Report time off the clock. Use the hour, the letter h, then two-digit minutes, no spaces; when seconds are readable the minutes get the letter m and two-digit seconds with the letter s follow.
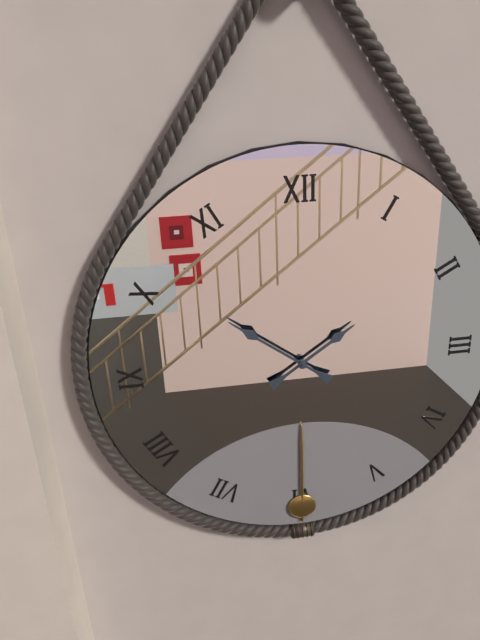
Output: 1h51
